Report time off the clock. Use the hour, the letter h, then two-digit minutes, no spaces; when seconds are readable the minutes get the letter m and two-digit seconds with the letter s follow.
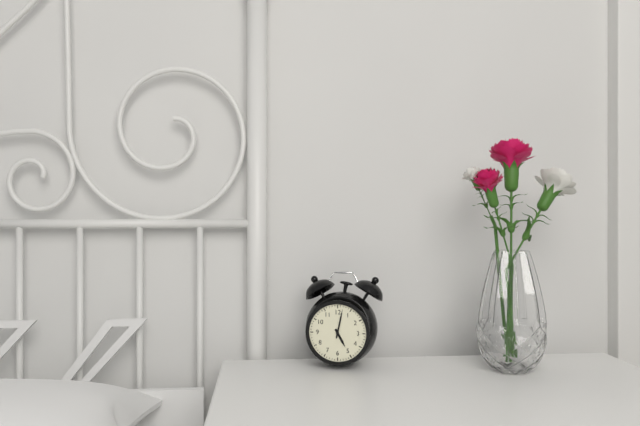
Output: 5h02
